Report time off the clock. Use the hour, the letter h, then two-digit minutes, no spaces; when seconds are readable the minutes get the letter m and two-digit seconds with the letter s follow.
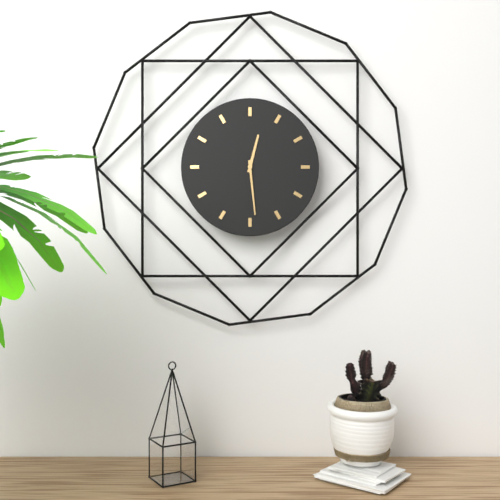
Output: 12h29
